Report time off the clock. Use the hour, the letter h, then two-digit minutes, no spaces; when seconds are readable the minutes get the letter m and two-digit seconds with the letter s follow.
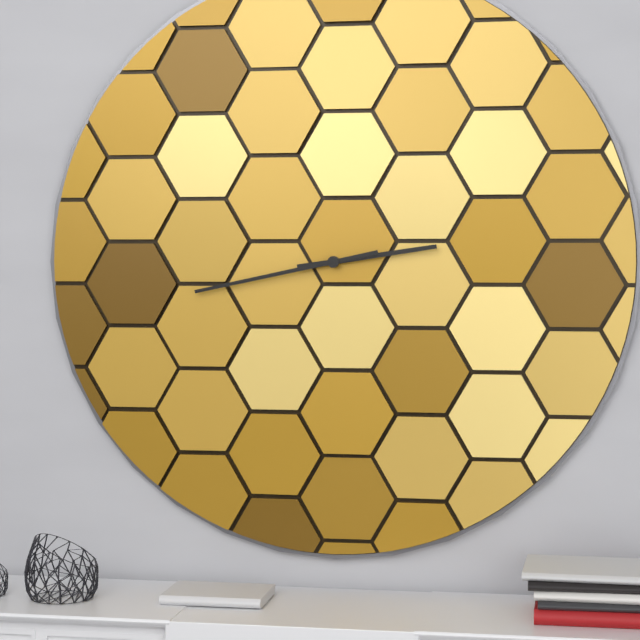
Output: 2h43
